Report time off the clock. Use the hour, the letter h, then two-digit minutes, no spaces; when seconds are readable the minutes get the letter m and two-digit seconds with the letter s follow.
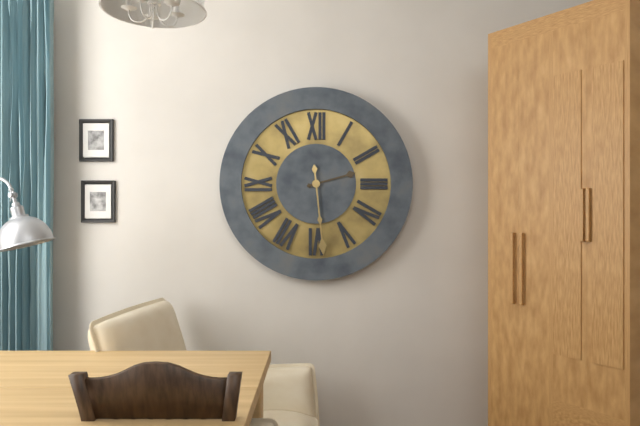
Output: 2h29
